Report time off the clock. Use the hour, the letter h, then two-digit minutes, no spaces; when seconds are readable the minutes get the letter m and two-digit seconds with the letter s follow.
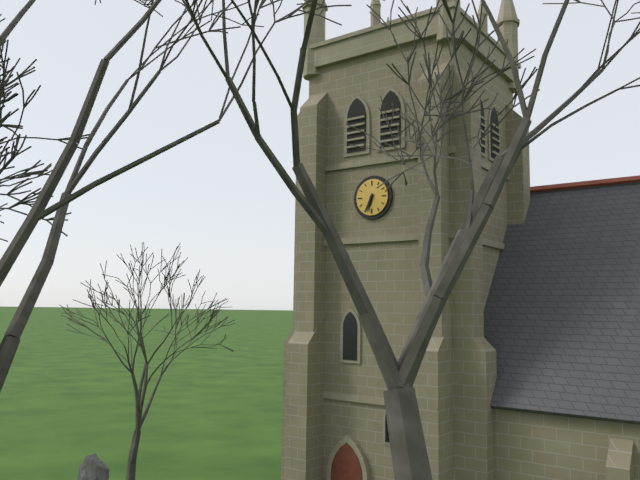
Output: 6h34
